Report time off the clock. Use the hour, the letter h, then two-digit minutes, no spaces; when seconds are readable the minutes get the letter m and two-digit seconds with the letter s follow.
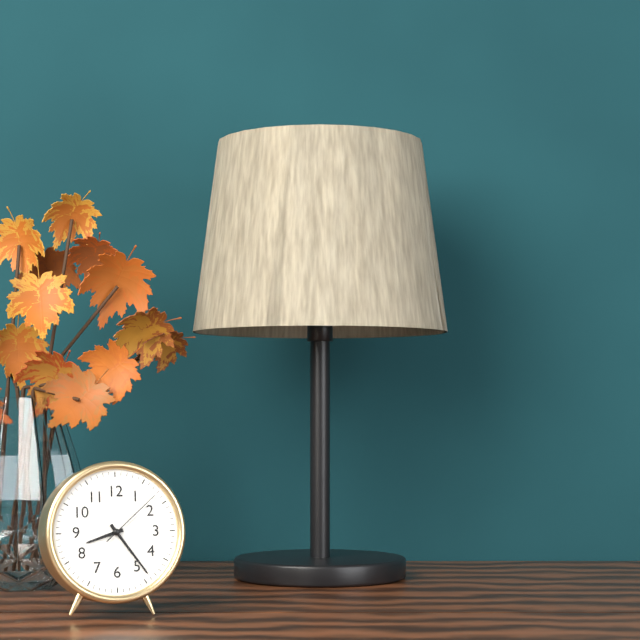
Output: 8h24m08s
